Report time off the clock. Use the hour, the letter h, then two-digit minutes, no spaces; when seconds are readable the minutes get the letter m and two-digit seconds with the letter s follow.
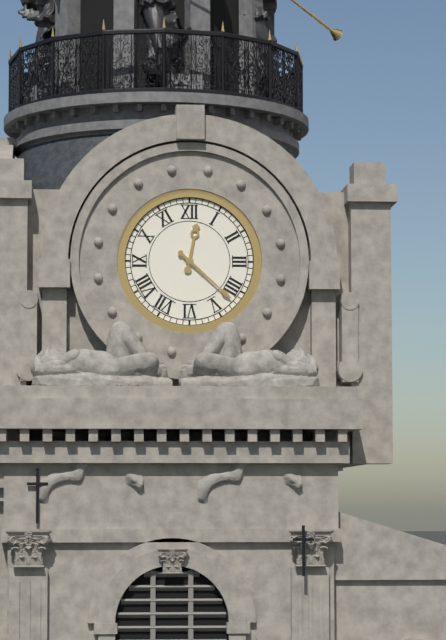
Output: 12h22
